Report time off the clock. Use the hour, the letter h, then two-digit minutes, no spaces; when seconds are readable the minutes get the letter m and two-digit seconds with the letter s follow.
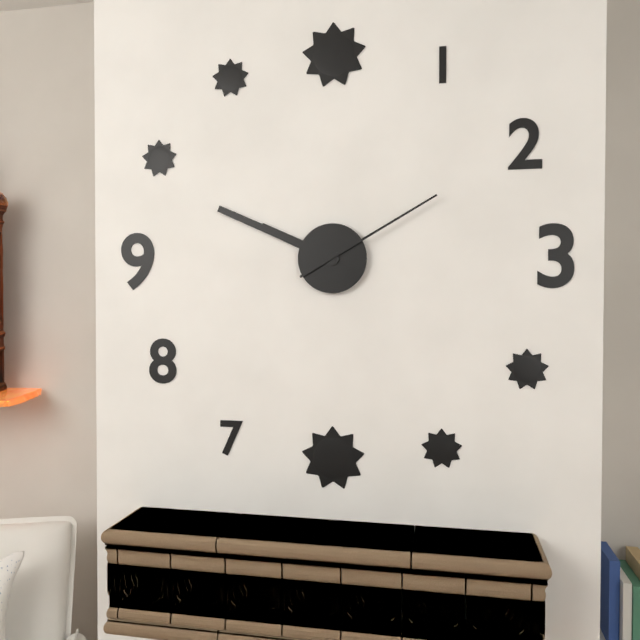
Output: 9h49m10s
